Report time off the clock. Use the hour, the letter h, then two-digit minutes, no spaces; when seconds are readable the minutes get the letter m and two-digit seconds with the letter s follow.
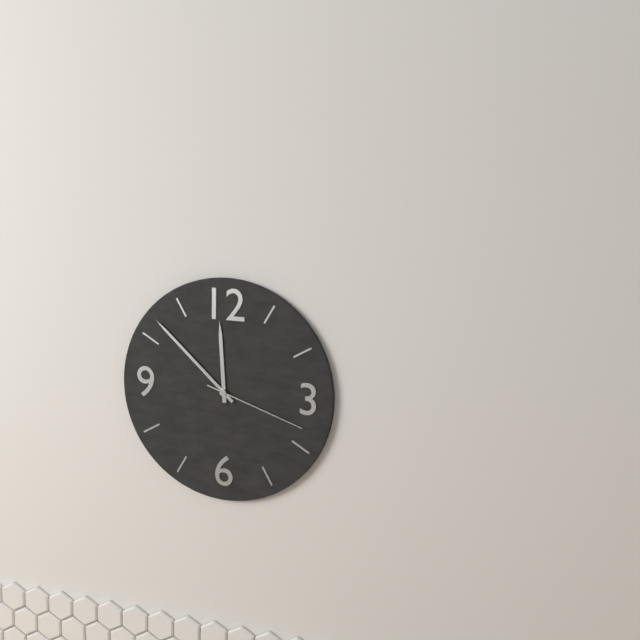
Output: 11h52m18s
